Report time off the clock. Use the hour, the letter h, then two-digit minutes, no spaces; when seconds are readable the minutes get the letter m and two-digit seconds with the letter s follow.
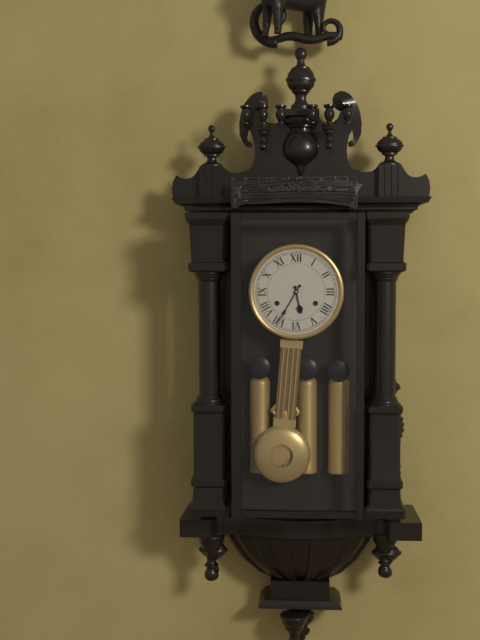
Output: 5h35
